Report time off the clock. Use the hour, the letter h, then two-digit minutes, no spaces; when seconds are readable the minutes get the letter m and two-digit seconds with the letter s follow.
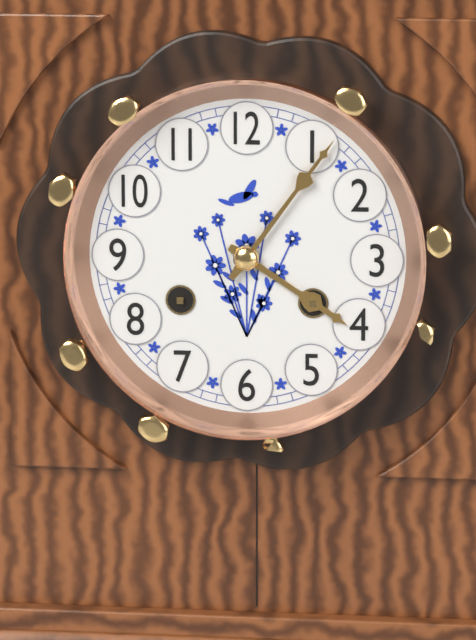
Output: 4h06
